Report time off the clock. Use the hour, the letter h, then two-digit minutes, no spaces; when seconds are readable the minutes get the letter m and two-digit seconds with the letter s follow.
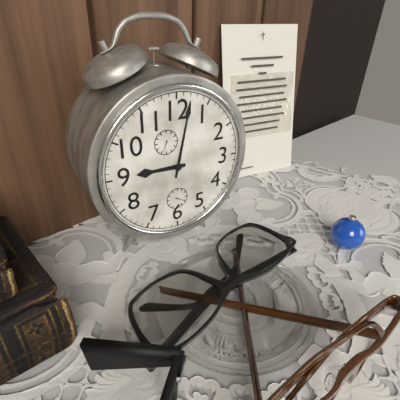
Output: 9h02
